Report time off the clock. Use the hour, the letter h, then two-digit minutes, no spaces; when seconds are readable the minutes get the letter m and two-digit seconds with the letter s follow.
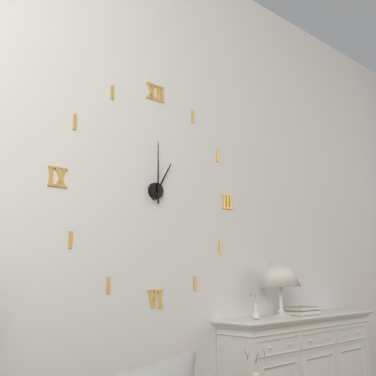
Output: 1h00
